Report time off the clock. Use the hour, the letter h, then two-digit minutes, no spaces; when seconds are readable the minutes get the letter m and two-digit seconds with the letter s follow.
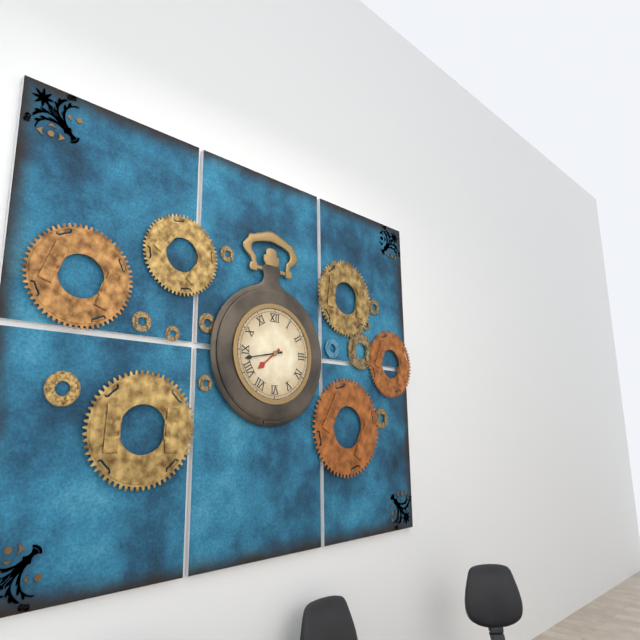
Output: 7h43
